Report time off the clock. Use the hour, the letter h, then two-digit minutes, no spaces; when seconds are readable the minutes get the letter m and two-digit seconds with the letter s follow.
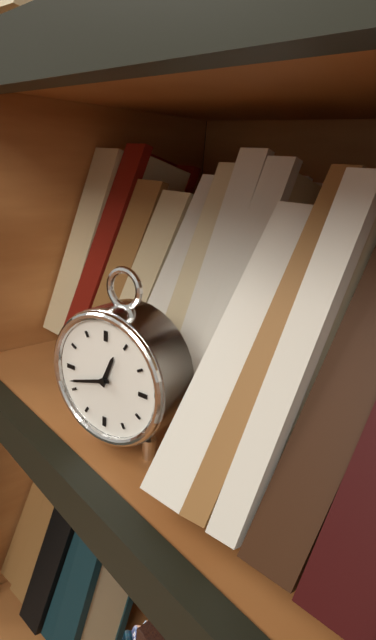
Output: 12h42
